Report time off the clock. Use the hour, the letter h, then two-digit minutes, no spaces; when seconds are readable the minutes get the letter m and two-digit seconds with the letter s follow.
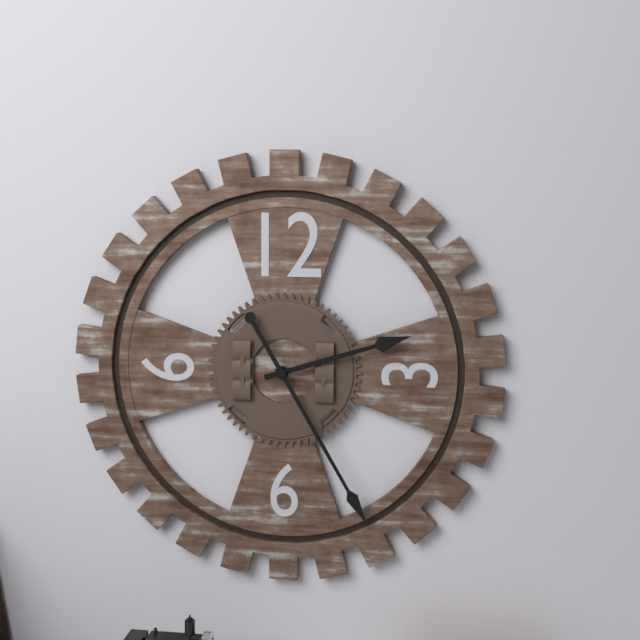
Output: 2h25
